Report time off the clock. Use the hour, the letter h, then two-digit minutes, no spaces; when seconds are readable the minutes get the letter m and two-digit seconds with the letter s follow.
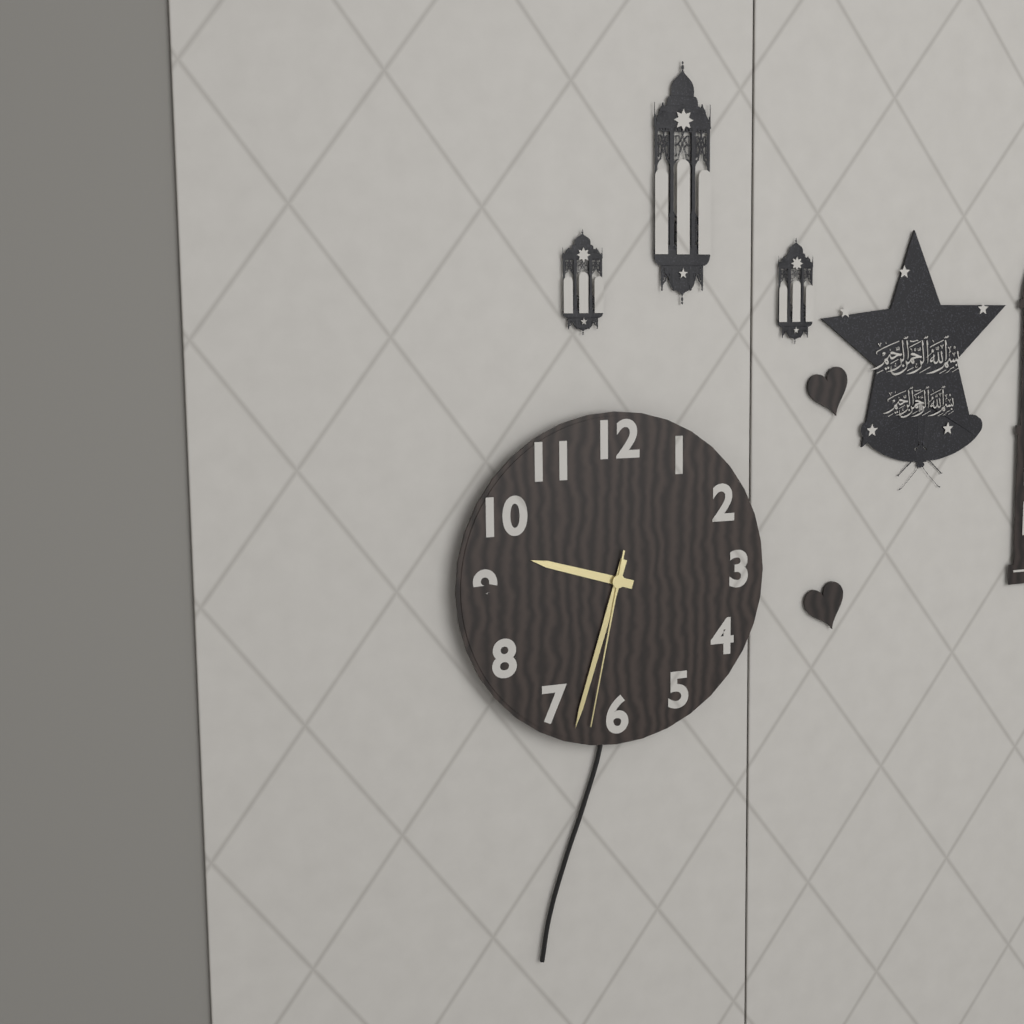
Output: 9h33m32s
